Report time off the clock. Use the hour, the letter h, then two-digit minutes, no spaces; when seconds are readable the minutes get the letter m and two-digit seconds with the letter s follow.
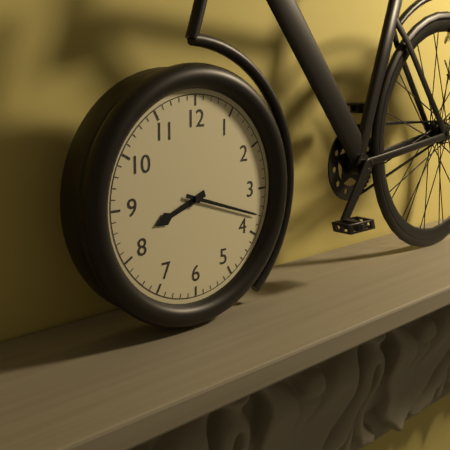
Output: 8h18
